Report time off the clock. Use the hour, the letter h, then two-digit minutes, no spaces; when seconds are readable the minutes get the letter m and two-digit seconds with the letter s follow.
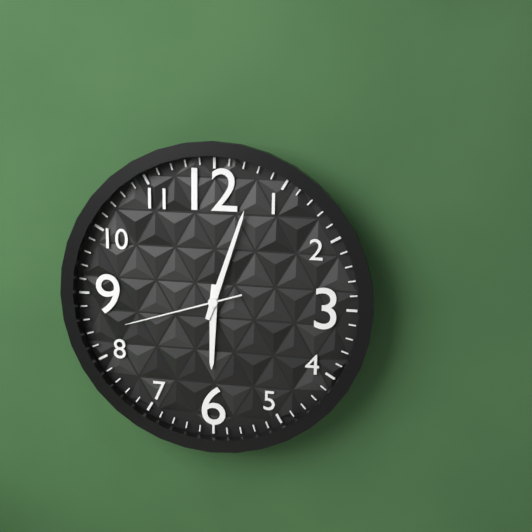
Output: 6h03m42s
